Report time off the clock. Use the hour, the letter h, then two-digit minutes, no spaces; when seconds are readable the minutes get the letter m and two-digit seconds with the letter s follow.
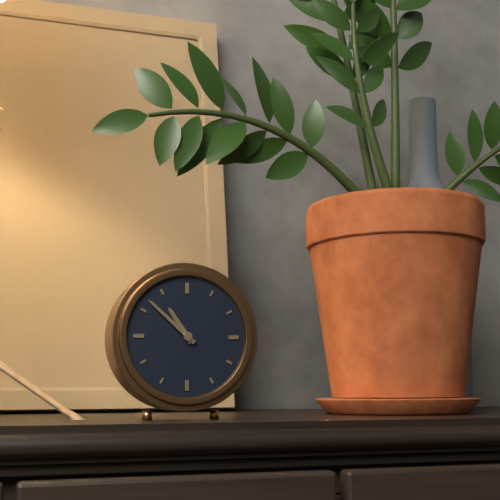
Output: 10h52
